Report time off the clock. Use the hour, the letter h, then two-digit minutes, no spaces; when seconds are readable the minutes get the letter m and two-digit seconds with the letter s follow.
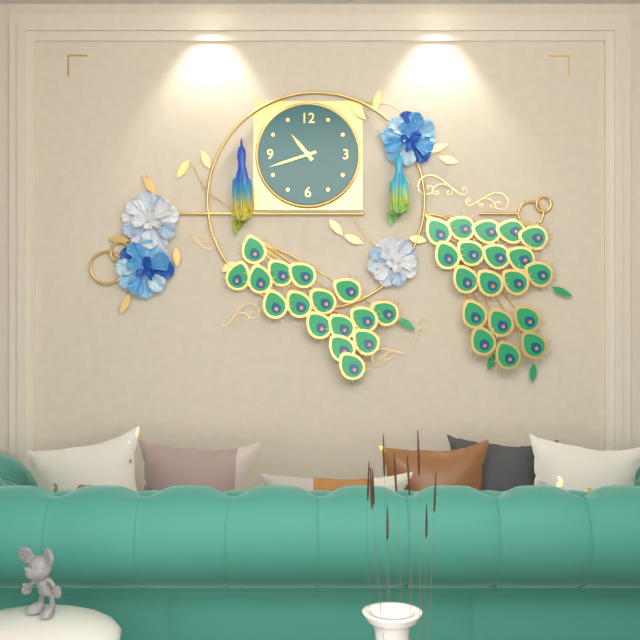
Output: 10h42
